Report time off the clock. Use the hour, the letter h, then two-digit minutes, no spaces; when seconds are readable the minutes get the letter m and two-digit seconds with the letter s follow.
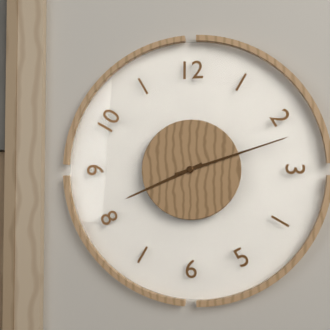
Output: 8h12
